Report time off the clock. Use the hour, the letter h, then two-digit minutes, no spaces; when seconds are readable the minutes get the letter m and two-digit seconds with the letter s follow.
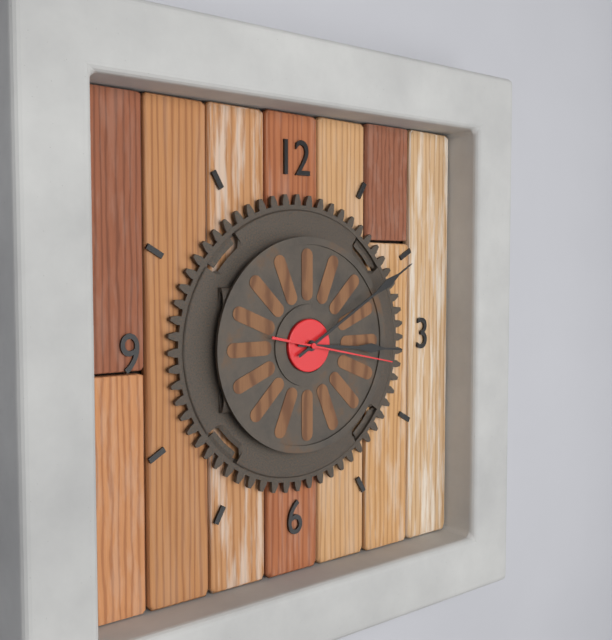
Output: 3h10m17s
